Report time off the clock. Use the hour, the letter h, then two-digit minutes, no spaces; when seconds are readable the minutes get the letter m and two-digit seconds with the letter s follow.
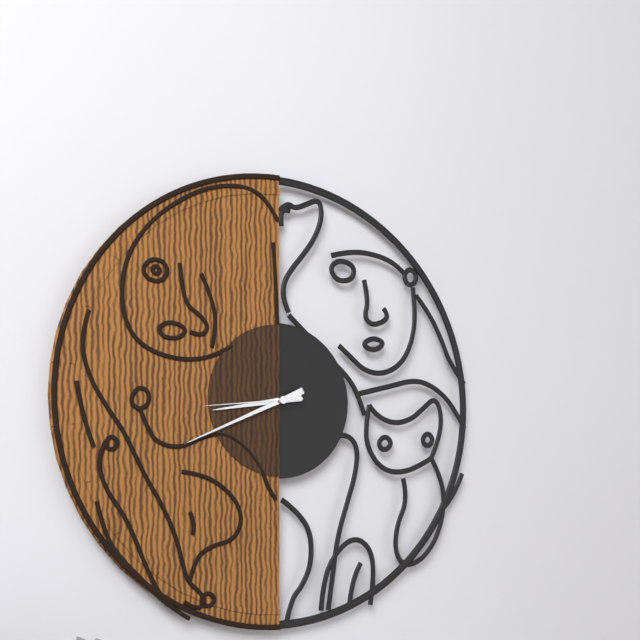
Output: 8h41m44s
